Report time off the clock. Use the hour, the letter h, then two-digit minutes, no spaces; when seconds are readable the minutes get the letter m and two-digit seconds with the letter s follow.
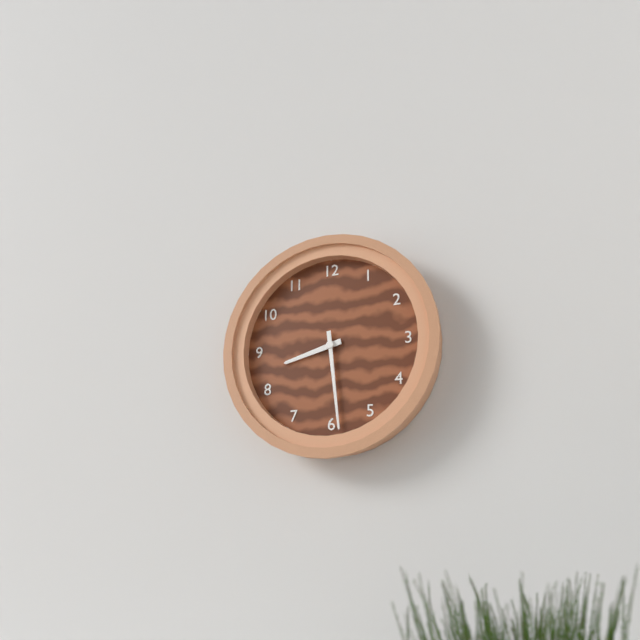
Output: 8h29
